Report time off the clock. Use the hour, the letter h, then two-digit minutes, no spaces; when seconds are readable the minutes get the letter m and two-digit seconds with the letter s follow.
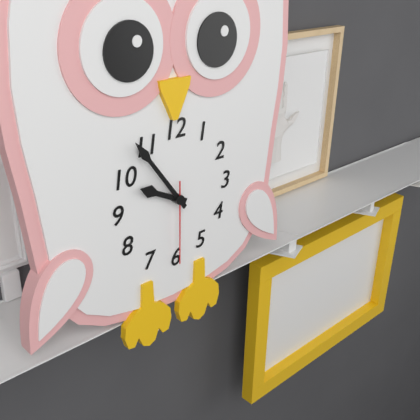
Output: 9h54m30s
